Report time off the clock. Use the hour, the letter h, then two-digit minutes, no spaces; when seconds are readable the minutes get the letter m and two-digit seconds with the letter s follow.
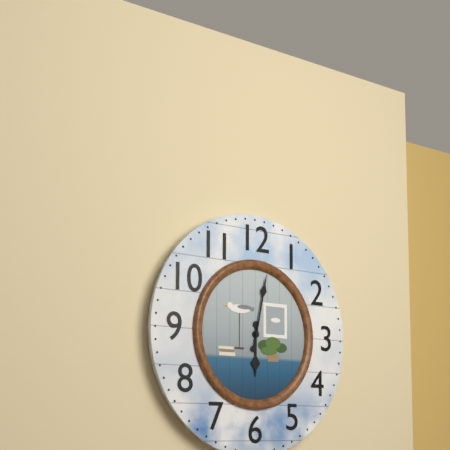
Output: 6h02
